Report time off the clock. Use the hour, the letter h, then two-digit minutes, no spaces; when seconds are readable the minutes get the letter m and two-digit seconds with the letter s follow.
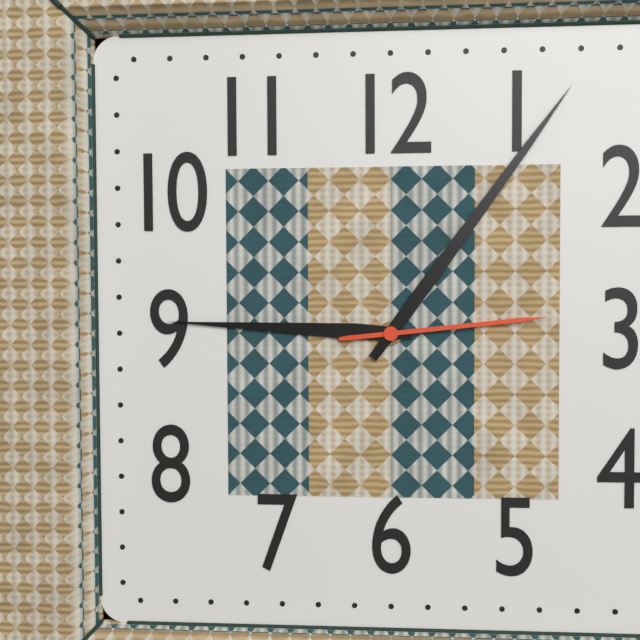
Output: 9h06m14s
